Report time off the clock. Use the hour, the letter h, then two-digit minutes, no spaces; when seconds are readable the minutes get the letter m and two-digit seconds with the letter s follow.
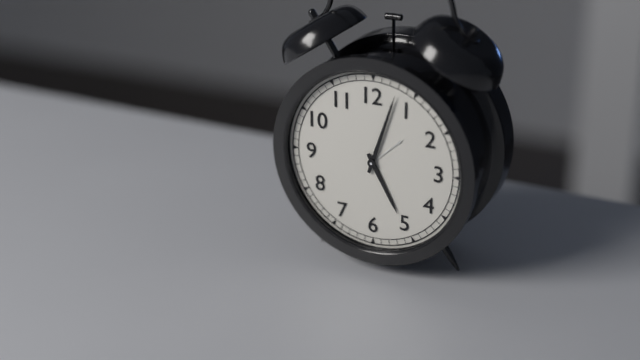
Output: 5h03
